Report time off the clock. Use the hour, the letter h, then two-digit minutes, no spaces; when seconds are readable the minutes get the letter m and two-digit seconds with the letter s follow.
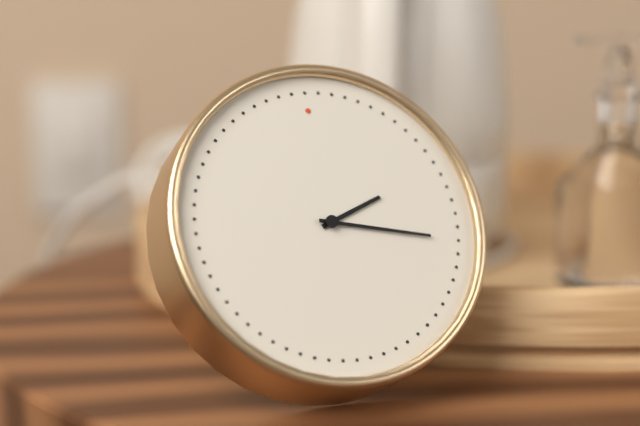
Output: 2h17
